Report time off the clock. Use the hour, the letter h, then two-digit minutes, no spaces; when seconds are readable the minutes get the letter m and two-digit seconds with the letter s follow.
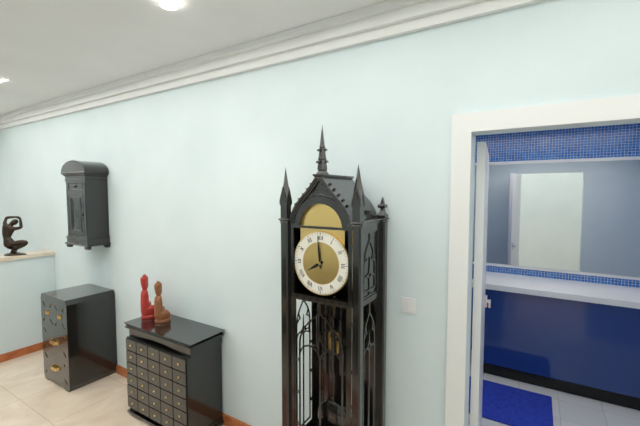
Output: 7h59
